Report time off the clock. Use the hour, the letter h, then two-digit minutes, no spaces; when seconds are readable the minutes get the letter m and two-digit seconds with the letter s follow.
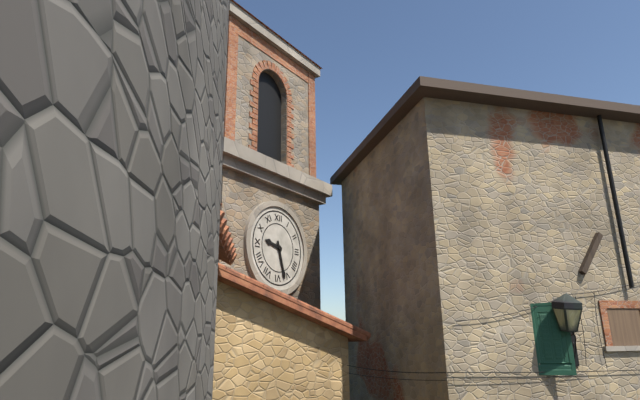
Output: 9h27
